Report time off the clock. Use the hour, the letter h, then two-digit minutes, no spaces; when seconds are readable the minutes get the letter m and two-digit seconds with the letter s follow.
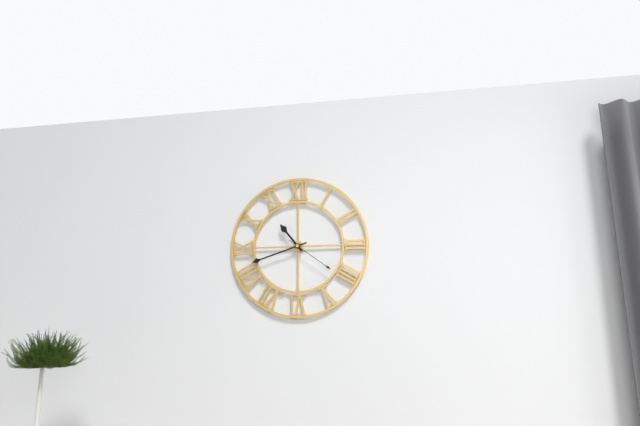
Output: 10h42m21s
